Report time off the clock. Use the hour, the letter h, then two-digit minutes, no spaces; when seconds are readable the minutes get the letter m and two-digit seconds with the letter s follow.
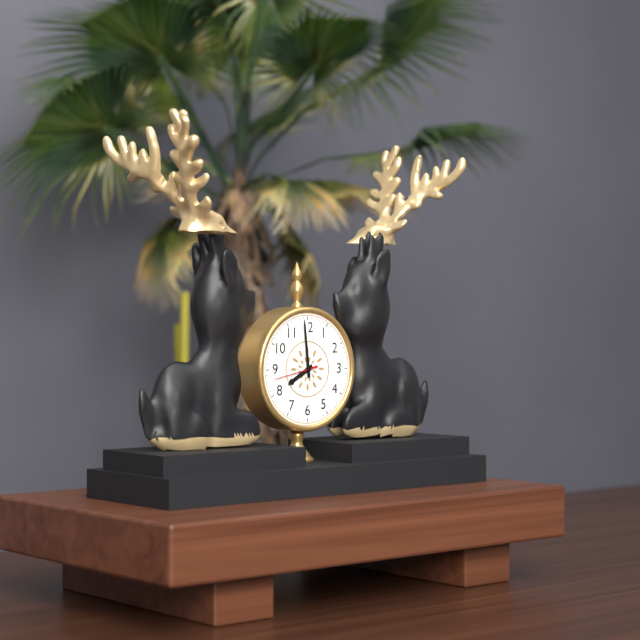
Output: 7h59
